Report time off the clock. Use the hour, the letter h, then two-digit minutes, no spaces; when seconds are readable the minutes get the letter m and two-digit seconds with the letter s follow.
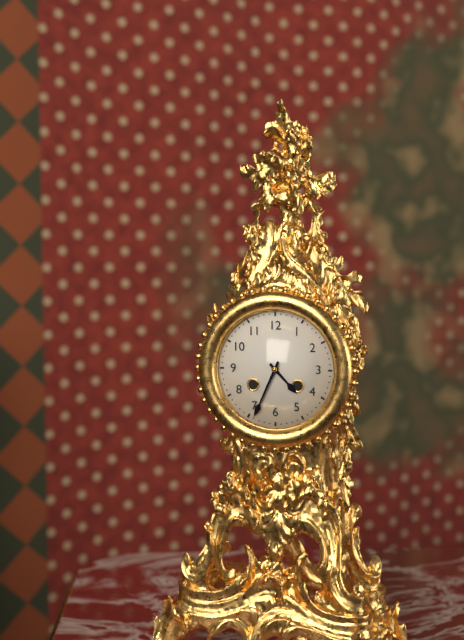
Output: 4h34
